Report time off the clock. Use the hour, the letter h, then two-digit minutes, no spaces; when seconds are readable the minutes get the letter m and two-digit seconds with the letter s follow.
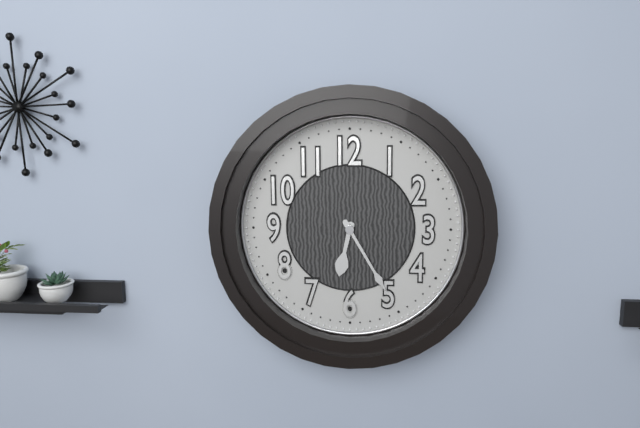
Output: 6h25
